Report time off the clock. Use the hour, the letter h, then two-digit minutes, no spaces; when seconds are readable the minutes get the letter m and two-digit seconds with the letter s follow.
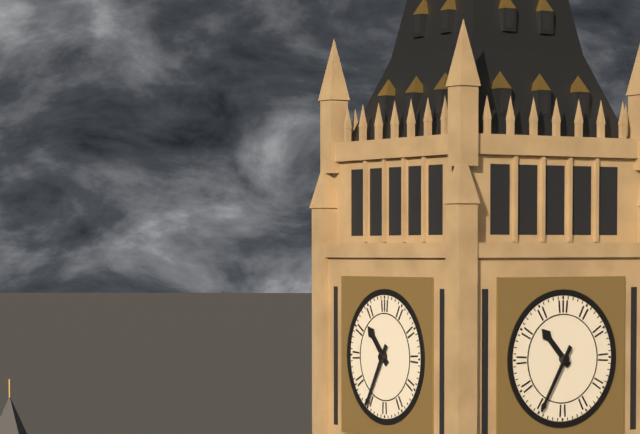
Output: 10h35
